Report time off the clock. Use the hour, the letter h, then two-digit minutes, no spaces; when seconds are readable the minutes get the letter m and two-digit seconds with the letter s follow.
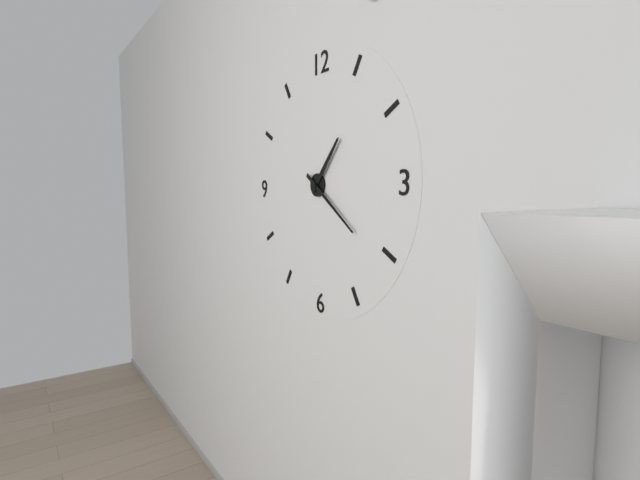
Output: 1h21
